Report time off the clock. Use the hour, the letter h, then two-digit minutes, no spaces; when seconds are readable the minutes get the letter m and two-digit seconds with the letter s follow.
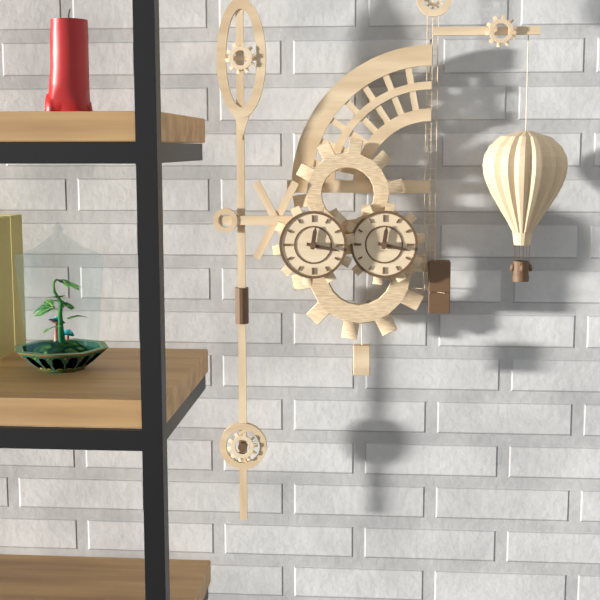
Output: 12h17
